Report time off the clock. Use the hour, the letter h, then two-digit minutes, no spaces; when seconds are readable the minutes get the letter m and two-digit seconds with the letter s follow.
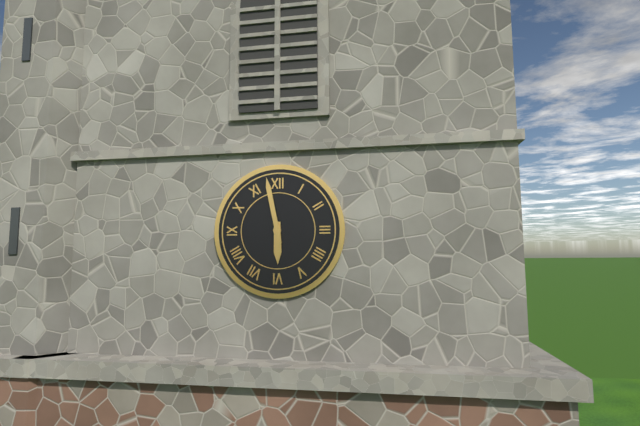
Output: 5h58
